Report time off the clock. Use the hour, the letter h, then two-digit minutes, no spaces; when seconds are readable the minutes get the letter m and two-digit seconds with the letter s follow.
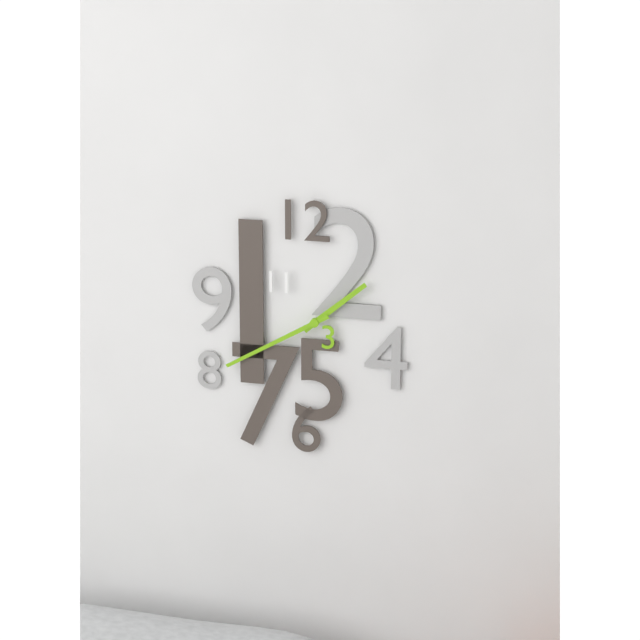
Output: 1h40
